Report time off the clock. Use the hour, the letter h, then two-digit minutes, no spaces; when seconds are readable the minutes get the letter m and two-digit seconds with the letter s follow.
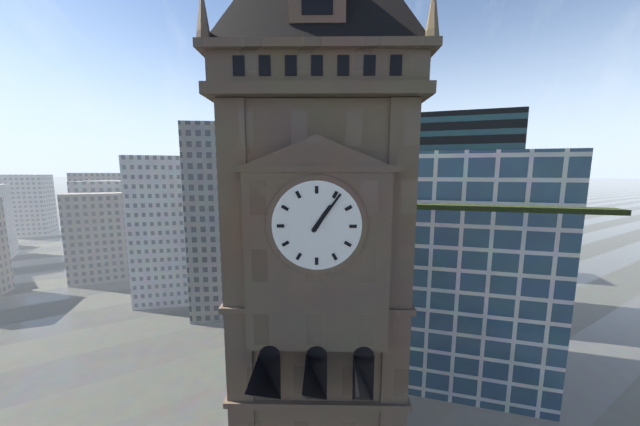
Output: 1h06
